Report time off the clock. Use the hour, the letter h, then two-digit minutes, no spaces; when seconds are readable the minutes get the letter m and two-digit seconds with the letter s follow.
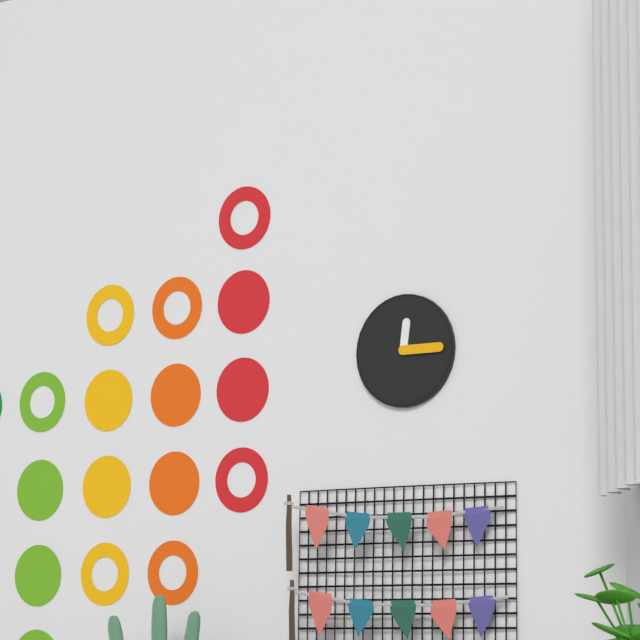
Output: 12h15
